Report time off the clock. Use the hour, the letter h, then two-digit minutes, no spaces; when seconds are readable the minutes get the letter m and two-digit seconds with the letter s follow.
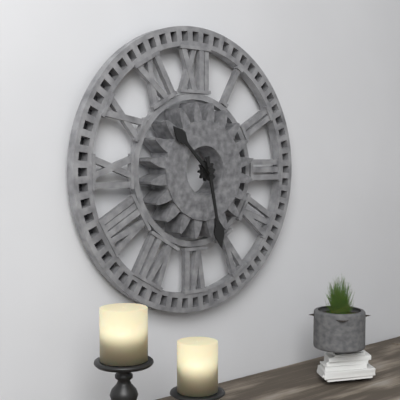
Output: 10h28
